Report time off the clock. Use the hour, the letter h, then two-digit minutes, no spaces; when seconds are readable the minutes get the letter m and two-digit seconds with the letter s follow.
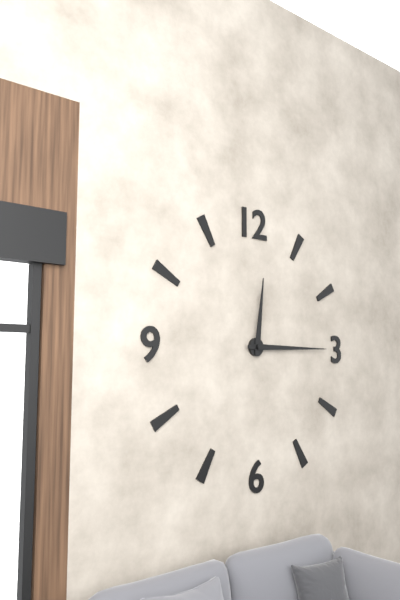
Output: 12h15
